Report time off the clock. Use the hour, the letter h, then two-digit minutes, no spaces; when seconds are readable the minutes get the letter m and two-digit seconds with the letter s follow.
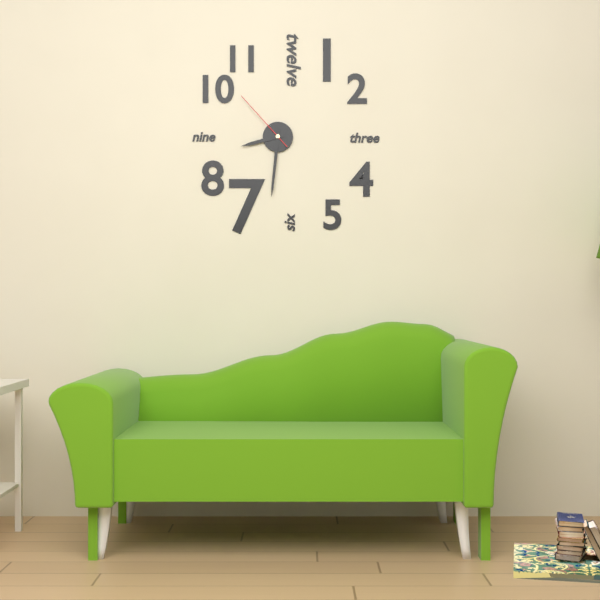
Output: 8h31m53s
